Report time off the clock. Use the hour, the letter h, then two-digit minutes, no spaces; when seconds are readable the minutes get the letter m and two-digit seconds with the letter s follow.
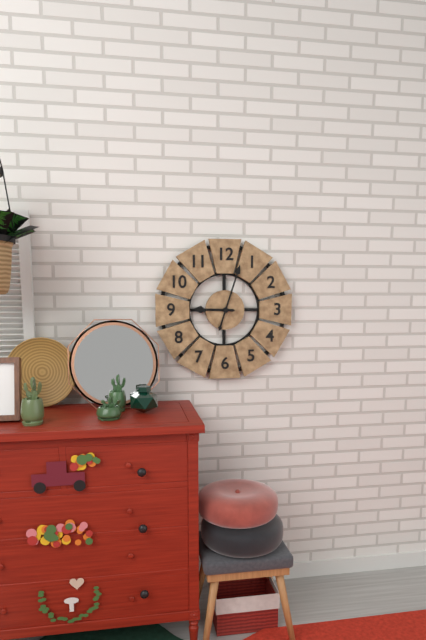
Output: 9h03
